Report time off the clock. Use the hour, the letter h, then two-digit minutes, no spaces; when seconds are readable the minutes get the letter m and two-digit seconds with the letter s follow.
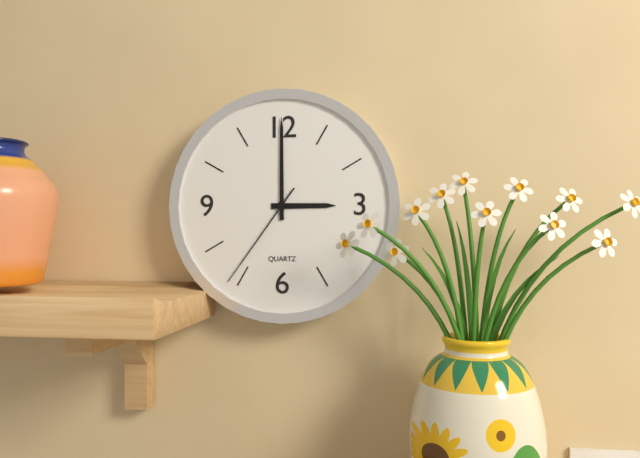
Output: 3h00m36s
